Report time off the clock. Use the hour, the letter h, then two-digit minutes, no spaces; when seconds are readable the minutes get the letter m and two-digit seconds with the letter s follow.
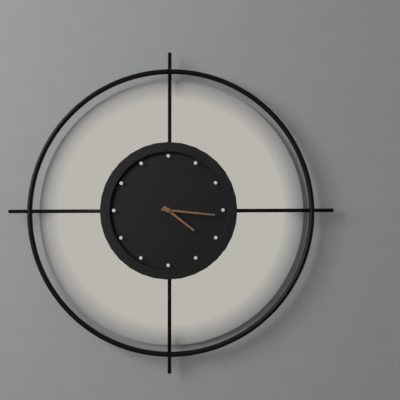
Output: 4h16
